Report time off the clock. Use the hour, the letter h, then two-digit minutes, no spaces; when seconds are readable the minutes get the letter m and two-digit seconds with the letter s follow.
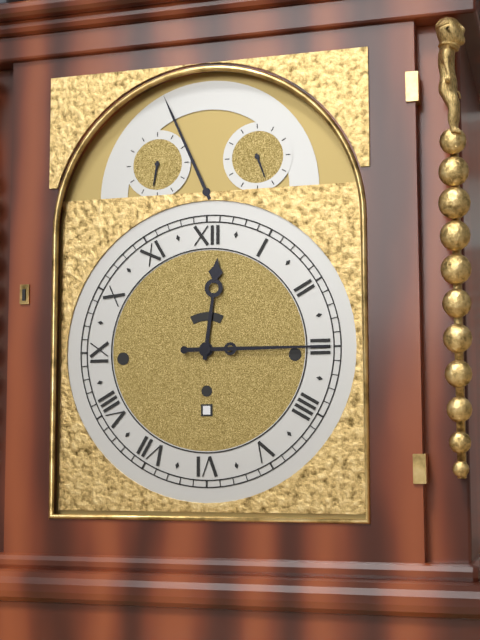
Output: 12h15
